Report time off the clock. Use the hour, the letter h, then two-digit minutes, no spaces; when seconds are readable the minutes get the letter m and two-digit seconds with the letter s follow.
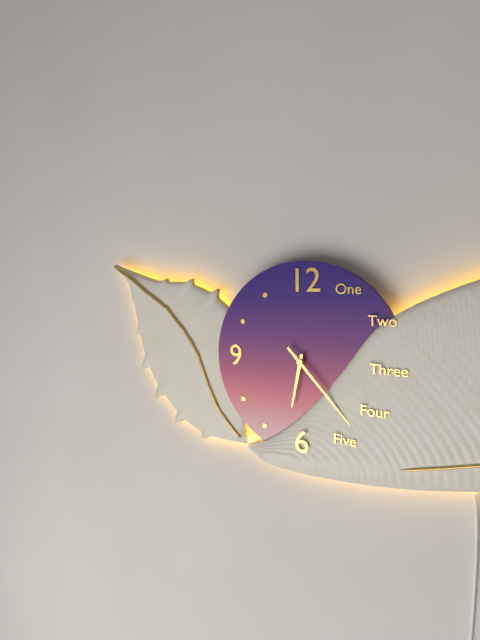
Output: 6h23
